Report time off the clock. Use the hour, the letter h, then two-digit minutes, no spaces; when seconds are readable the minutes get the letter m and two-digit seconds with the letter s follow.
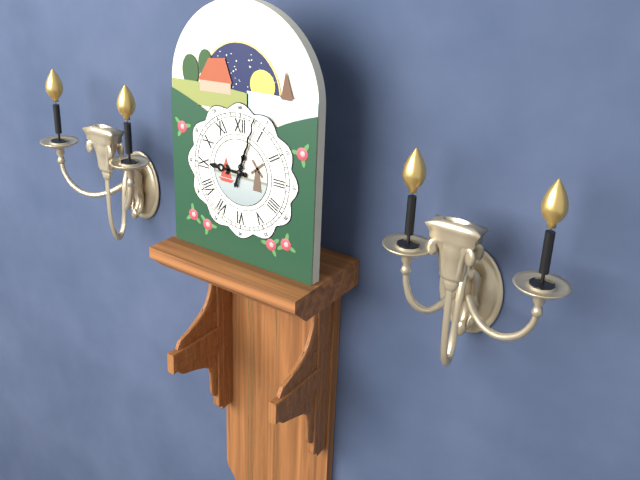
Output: 9h03
